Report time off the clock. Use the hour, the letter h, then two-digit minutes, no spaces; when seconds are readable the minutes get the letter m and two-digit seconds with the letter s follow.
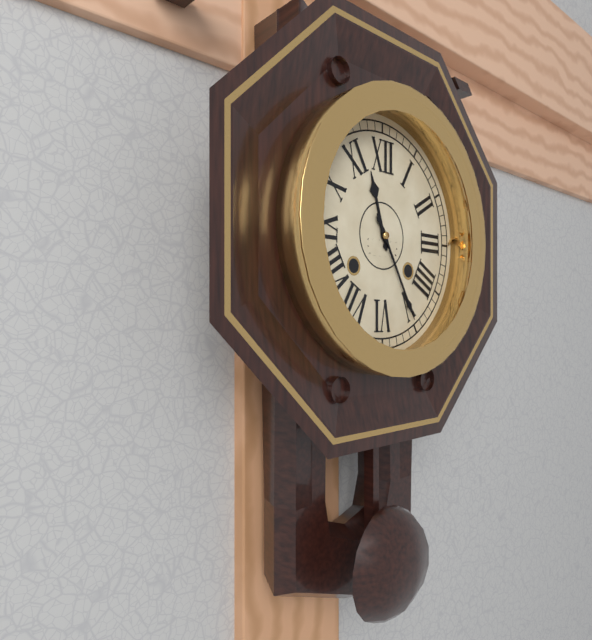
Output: 11h25
